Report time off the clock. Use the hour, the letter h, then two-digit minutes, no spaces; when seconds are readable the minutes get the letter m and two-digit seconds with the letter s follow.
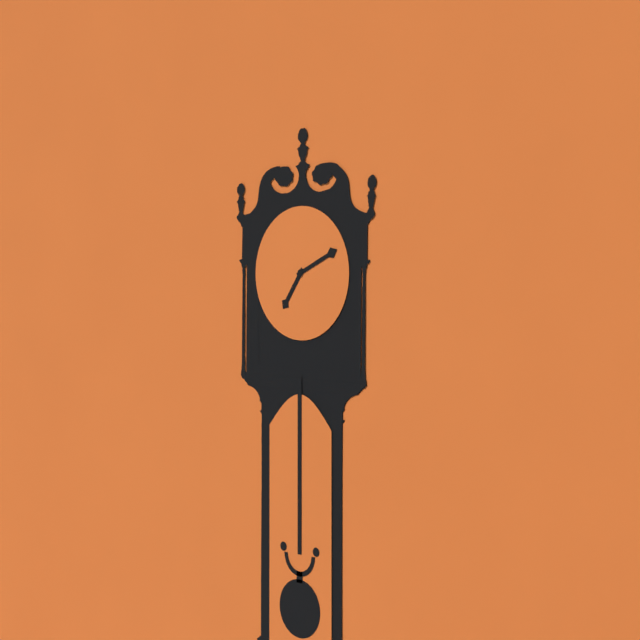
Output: 7h11
